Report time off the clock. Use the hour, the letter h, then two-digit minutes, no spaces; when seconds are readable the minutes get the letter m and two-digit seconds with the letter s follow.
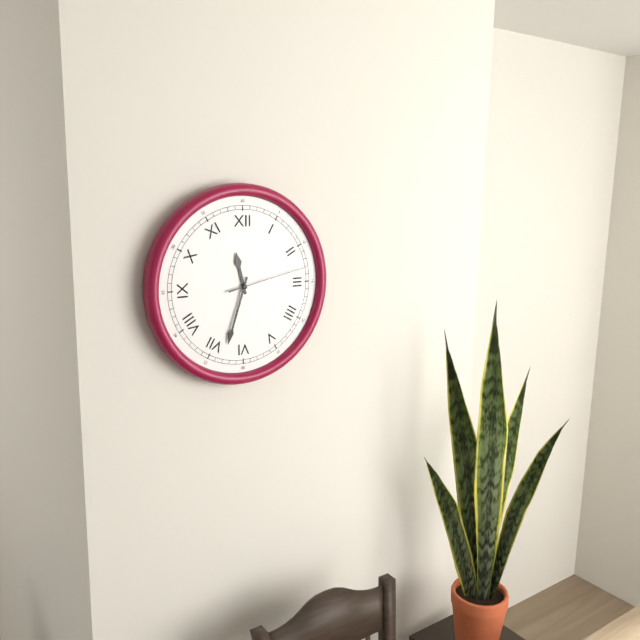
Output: 11h33m13s
